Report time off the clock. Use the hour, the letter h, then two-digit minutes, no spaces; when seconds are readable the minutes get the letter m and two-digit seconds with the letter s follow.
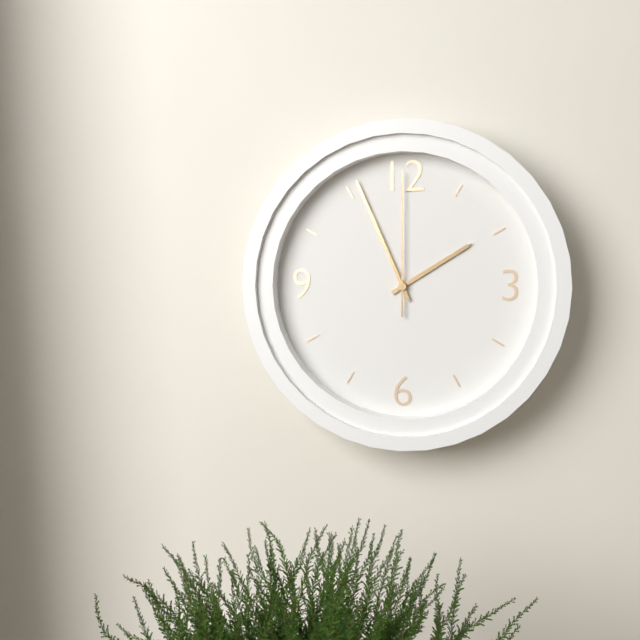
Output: 1h56m00s
